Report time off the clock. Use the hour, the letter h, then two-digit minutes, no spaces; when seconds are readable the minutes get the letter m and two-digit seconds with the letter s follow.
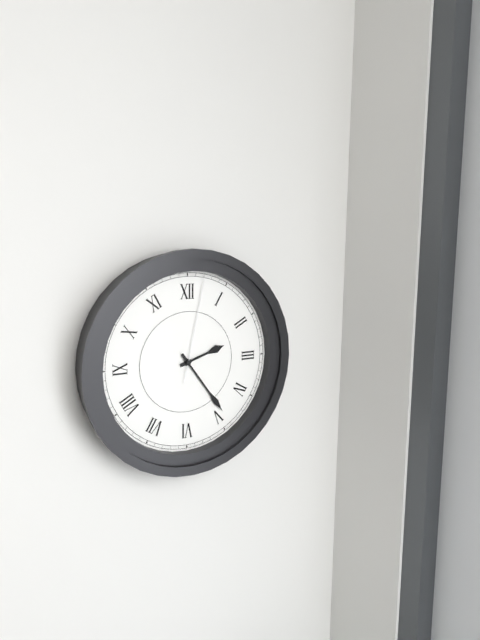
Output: 2h24m02s
